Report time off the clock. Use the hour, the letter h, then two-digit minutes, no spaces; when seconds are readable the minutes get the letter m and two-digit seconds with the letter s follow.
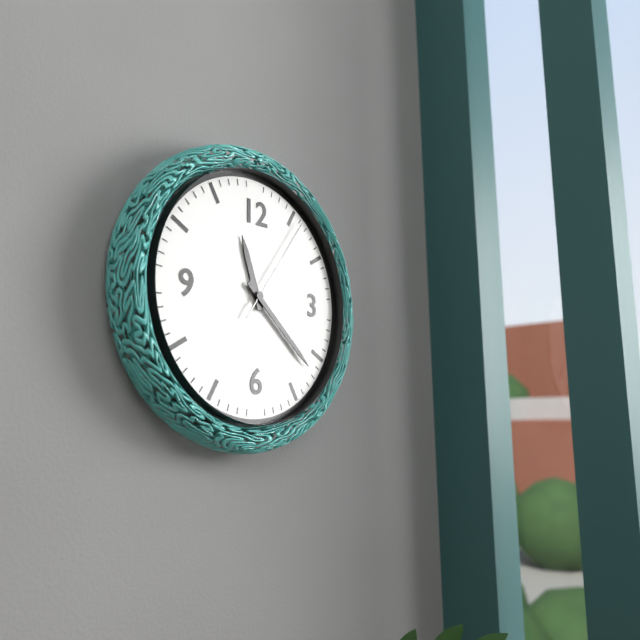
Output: 11h22m06s
